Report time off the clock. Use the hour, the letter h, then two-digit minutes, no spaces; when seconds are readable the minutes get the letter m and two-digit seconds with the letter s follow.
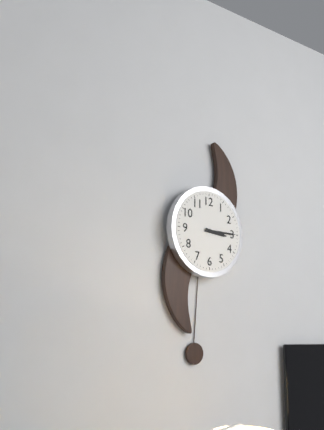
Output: 3h15
